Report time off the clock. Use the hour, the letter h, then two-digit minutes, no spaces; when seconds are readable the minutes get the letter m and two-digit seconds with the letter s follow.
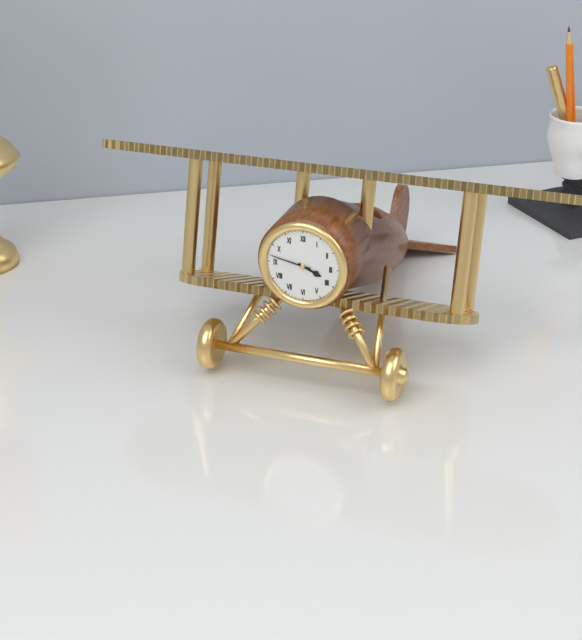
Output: 3h47
